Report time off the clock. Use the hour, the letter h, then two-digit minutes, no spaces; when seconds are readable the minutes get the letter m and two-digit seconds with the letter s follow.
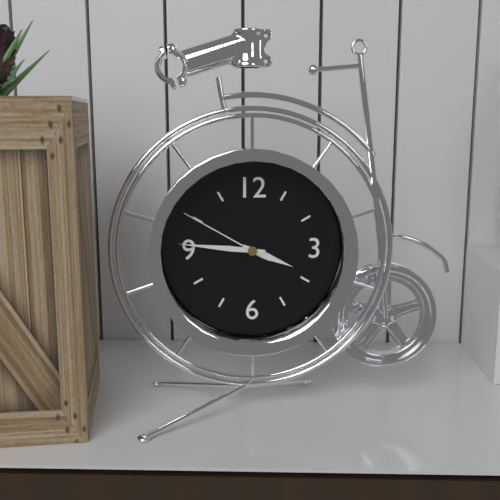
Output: 3h46m50s
